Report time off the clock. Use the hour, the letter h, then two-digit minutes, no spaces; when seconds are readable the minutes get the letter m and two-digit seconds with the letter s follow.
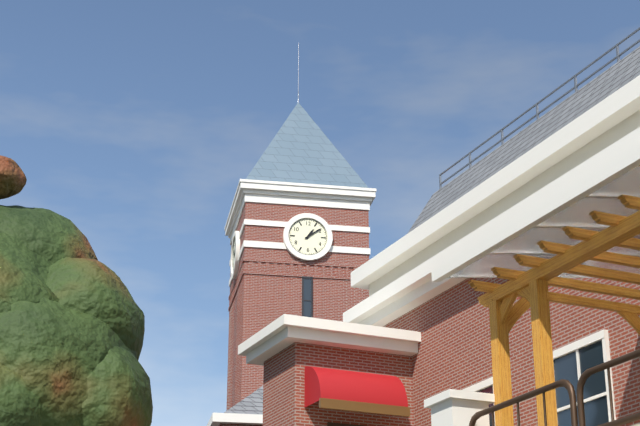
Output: 1h09
